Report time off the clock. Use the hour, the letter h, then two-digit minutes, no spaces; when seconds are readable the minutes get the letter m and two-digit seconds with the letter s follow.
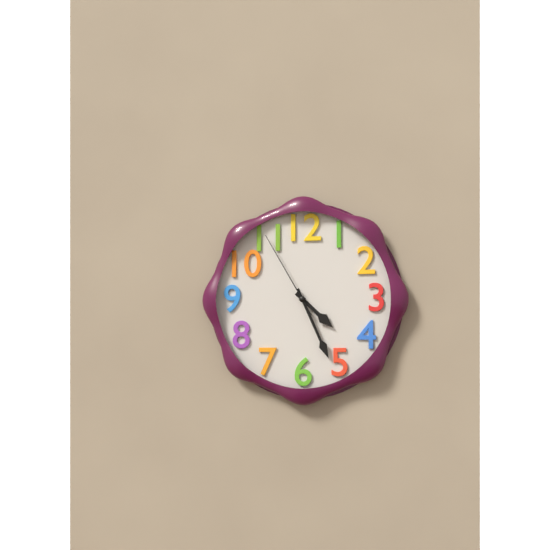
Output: 4h26m55s
